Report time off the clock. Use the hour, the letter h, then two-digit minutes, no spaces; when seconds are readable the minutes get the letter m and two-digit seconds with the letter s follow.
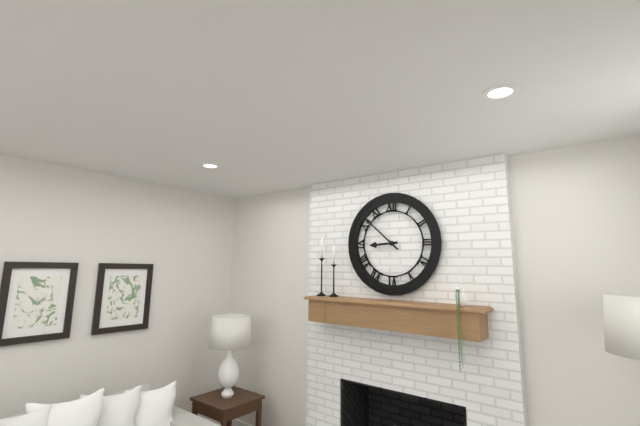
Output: 8h52
